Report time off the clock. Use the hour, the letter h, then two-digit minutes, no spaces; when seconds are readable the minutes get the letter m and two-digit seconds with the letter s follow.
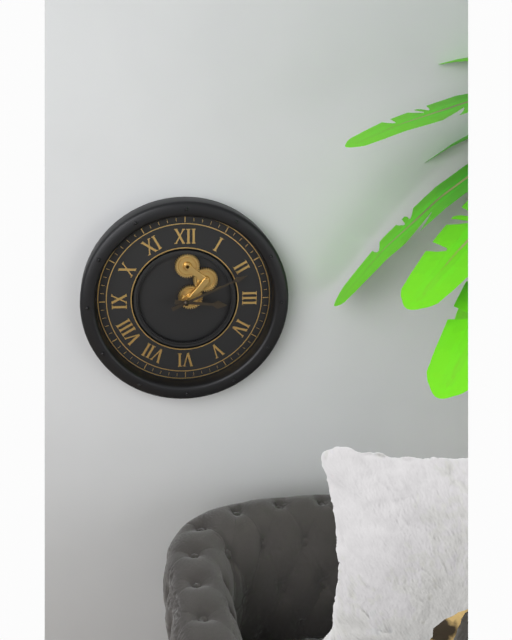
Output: 3h11
